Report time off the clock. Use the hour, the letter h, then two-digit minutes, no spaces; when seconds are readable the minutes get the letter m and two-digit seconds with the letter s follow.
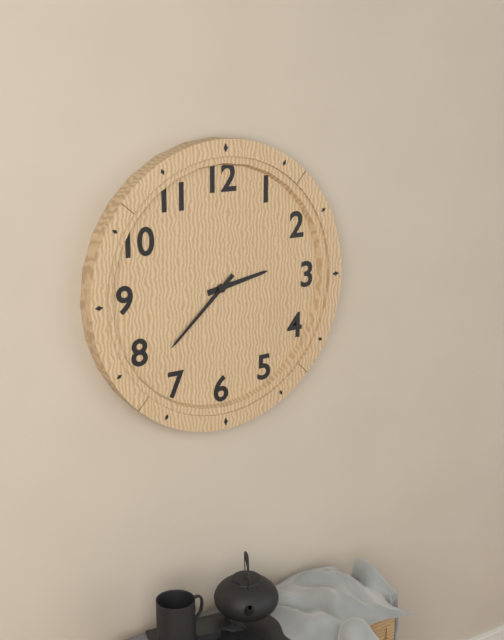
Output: 2h38
